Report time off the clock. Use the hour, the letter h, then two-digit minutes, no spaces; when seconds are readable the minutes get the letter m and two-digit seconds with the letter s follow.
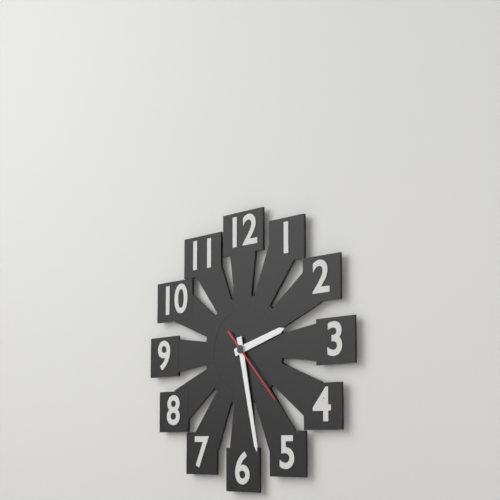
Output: 2h28m23s
